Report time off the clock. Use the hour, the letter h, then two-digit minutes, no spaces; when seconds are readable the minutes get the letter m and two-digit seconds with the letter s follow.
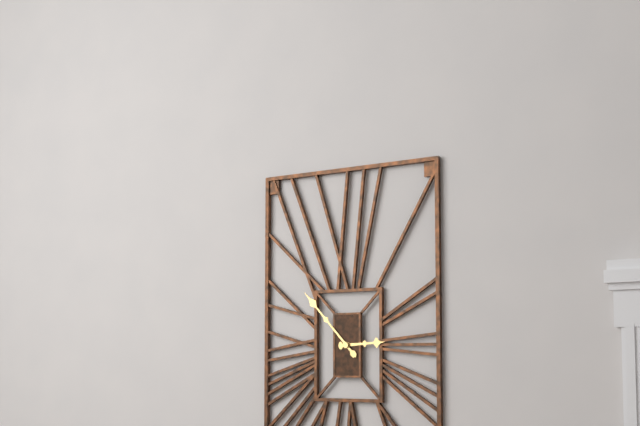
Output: 2h53
